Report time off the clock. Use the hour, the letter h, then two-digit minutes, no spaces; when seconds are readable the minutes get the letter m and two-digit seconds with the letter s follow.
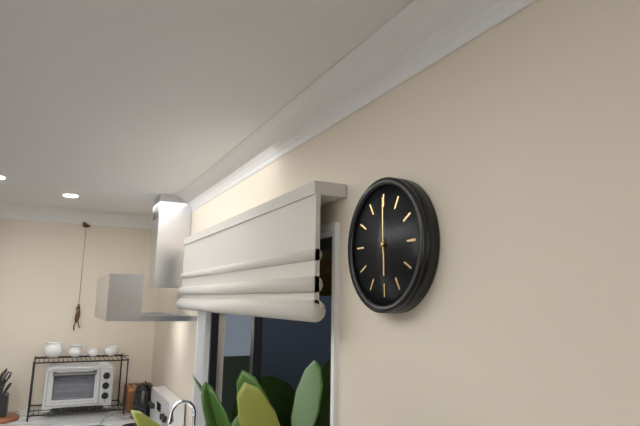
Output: 6h00
